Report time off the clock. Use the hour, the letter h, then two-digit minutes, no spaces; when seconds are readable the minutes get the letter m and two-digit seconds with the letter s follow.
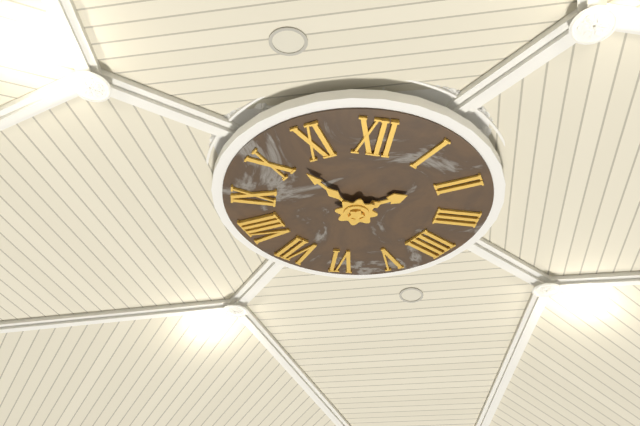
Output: 1h52
